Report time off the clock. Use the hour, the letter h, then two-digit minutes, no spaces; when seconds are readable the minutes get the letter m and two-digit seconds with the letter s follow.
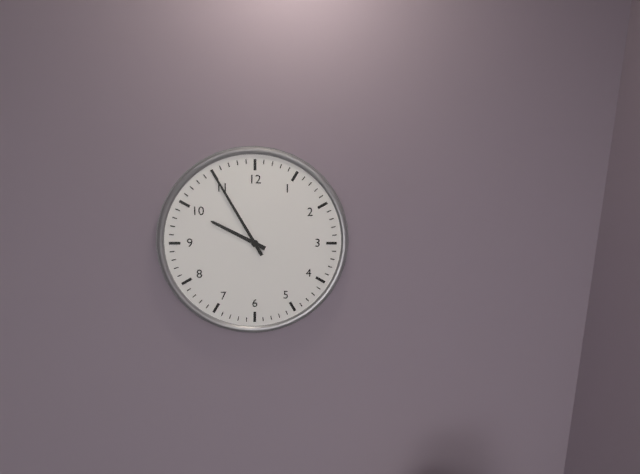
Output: 9h55
